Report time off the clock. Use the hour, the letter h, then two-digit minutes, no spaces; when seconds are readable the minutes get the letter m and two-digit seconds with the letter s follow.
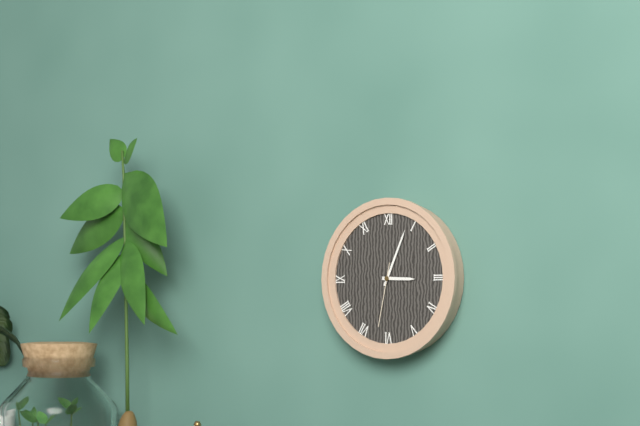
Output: 3h04m32s
